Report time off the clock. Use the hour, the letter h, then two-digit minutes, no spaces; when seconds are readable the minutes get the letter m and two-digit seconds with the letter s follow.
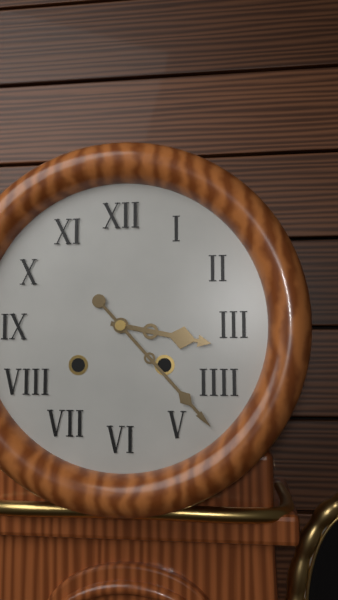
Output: 3h23
